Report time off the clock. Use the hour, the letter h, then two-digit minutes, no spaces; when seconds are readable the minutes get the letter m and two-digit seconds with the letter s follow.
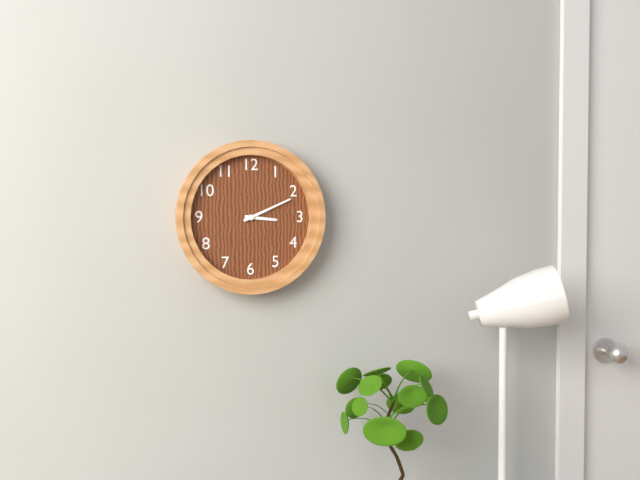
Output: 3h11
